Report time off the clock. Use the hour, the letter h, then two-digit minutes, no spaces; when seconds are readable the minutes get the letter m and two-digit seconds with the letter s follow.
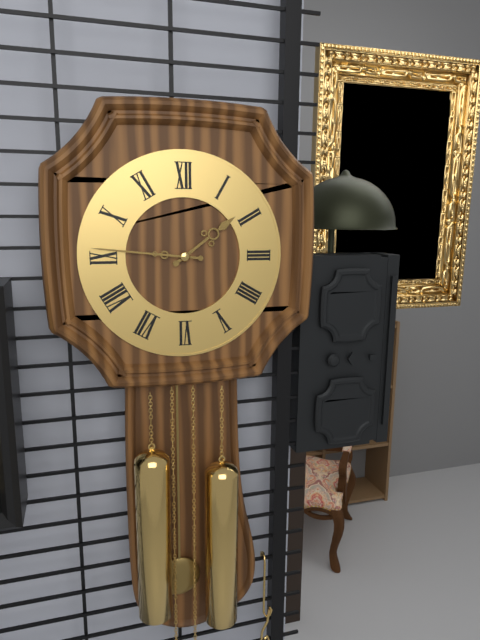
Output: 1h46
